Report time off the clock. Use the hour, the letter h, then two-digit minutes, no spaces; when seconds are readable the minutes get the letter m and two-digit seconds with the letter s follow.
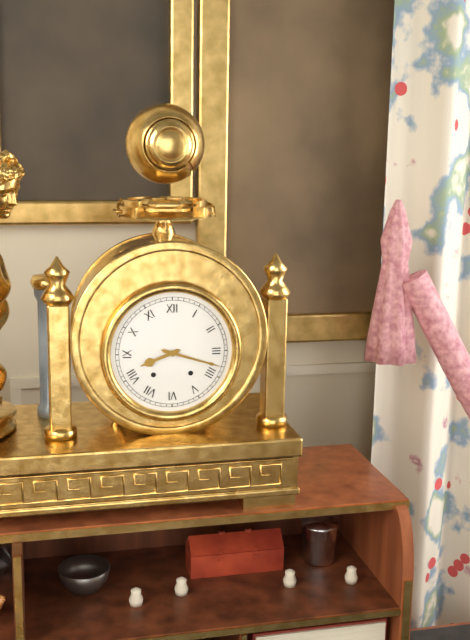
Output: 8h18
